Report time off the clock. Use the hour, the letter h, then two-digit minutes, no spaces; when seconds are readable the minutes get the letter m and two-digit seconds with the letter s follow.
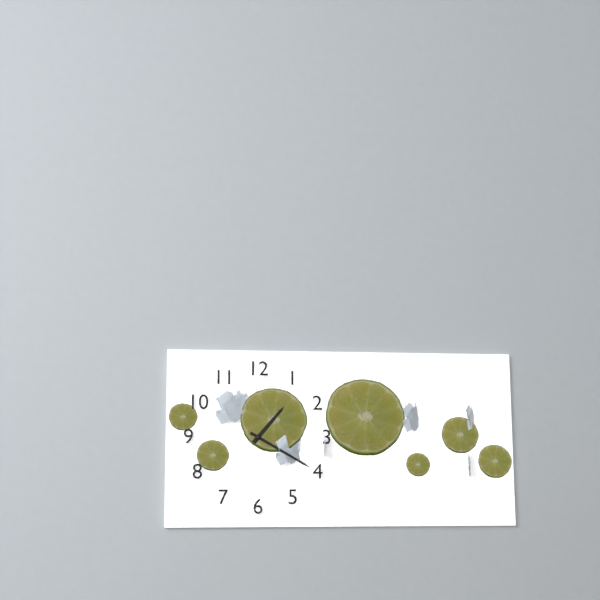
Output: 1h20
